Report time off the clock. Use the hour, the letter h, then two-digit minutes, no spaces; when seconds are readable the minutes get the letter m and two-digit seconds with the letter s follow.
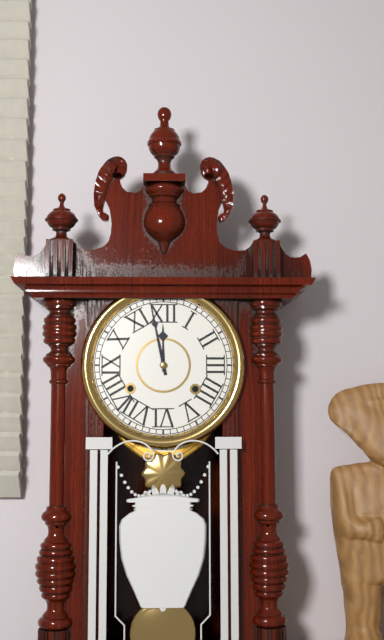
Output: 11h58
